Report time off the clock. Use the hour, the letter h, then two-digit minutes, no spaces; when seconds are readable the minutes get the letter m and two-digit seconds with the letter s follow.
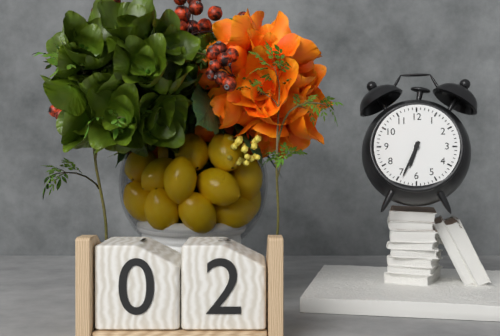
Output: 6h34
